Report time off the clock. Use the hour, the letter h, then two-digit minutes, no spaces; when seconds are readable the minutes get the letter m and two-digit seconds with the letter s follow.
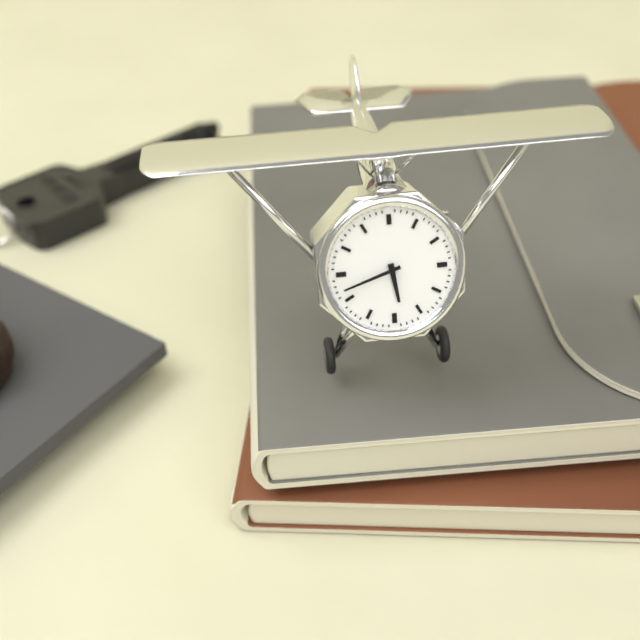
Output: 5h42
